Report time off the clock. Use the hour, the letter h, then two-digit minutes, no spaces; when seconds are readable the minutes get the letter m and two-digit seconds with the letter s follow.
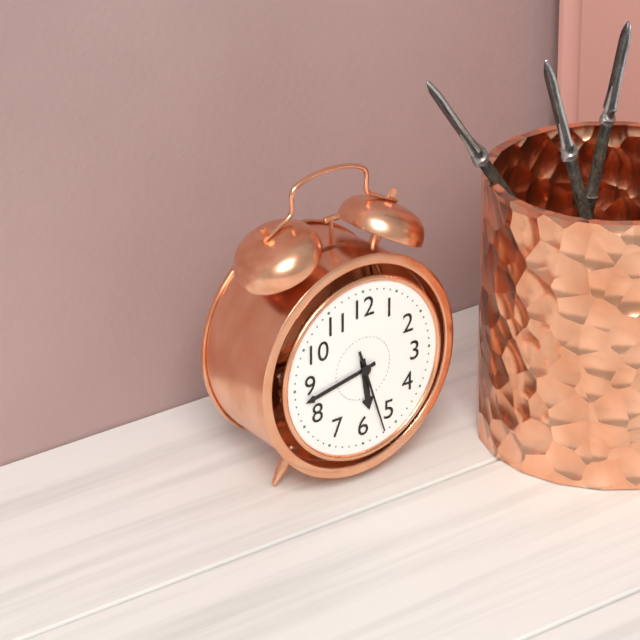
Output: 5h43m27s
